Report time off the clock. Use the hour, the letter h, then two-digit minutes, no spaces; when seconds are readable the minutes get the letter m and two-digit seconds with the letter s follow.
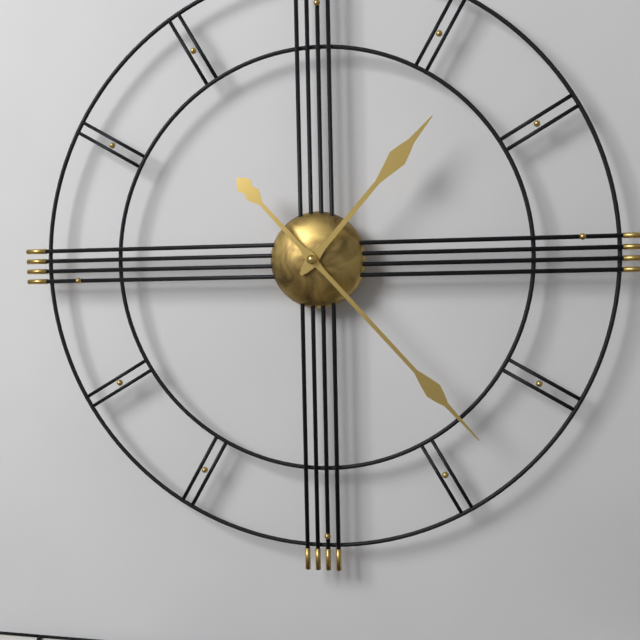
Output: 1h23
